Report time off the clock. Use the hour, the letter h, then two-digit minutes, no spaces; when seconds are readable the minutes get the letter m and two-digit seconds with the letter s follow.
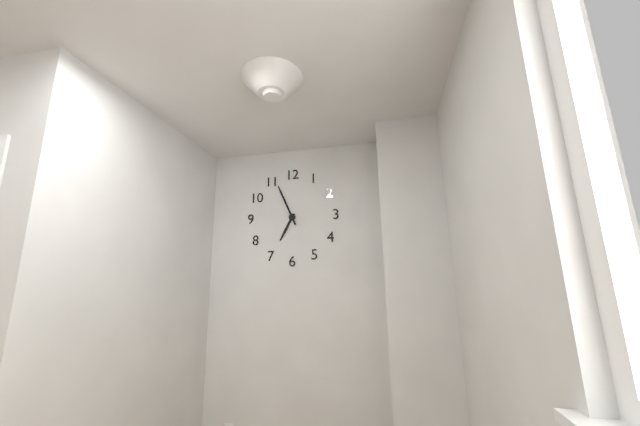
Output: 6h56
